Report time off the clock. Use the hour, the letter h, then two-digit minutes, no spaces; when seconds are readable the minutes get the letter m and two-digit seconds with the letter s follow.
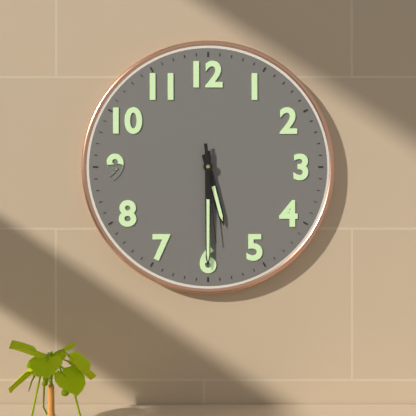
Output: 5h30m29s
